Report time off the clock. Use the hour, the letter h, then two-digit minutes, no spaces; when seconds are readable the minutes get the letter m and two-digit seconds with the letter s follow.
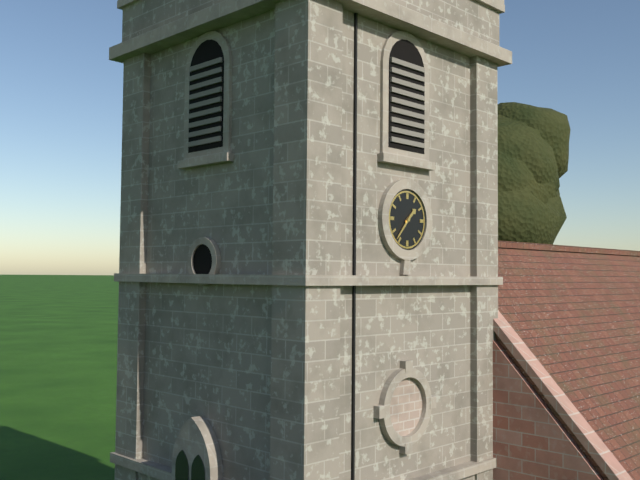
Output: 1h37
